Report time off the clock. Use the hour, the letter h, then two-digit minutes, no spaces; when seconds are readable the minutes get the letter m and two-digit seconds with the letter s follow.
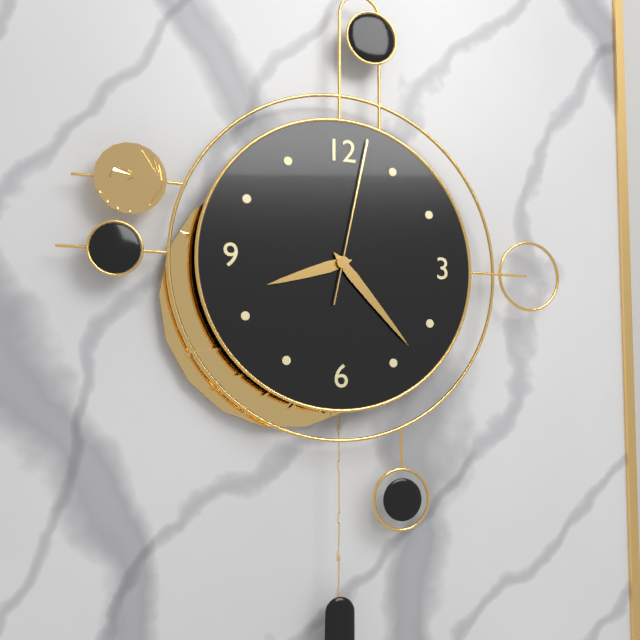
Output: 8h23m02s
